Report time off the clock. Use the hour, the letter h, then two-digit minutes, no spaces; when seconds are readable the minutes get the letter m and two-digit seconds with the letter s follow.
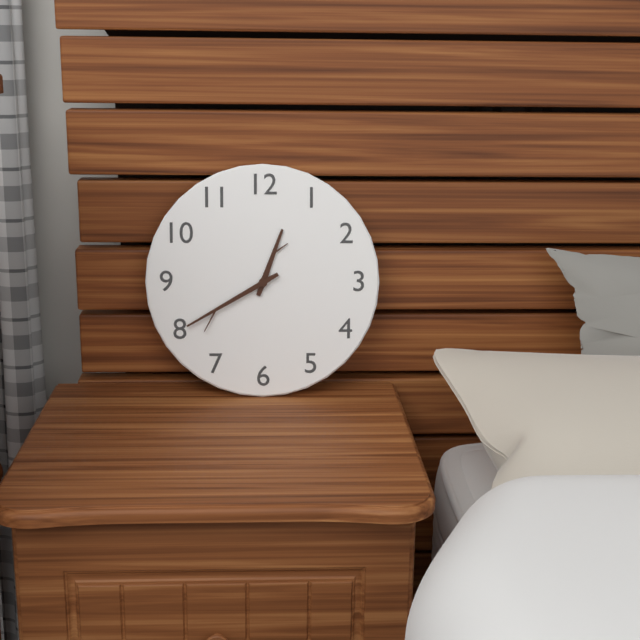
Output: 12h40
